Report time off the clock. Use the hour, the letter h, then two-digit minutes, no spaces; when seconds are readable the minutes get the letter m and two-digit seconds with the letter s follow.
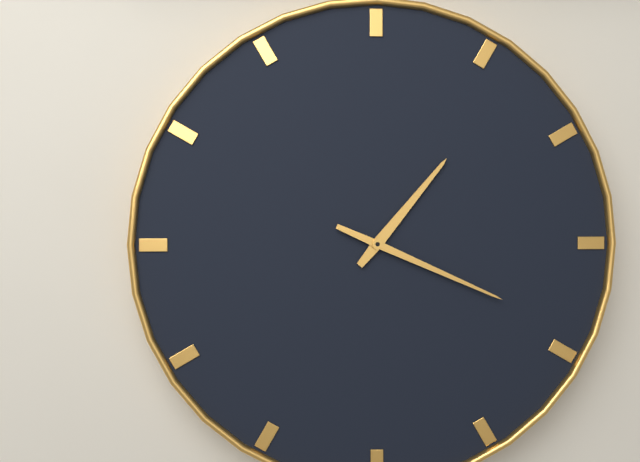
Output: 1h19
